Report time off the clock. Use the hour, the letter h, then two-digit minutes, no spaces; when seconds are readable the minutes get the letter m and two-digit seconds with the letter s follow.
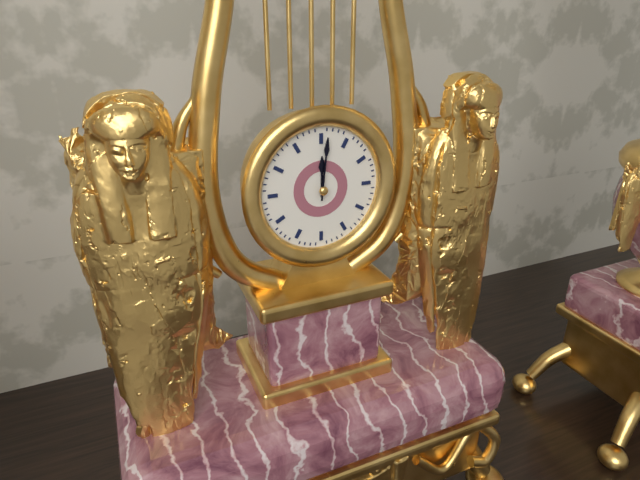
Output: 12h01
